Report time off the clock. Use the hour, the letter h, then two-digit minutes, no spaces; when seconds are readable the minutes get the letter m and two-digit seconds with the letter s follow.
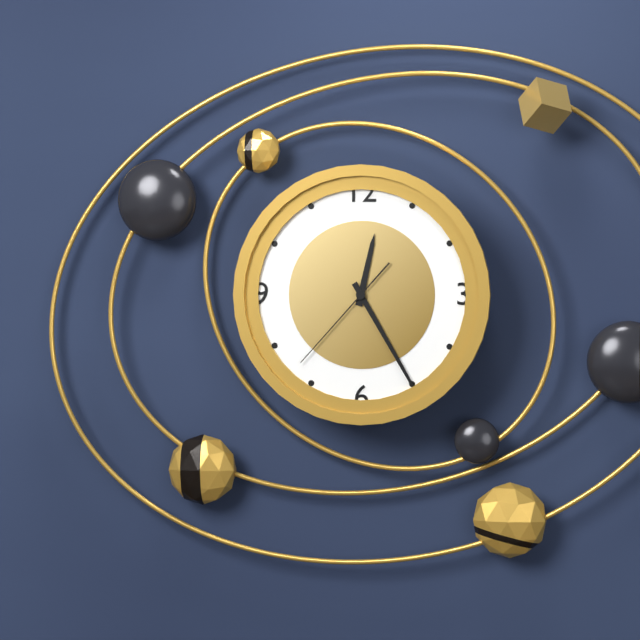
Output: 12h25m37s
